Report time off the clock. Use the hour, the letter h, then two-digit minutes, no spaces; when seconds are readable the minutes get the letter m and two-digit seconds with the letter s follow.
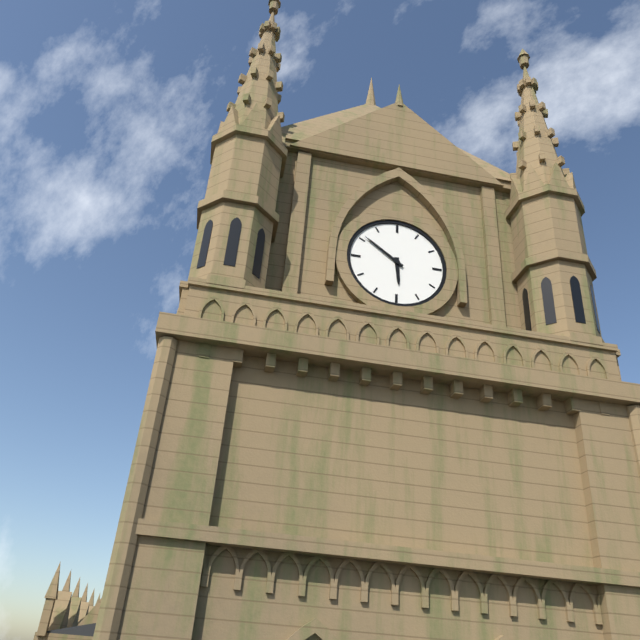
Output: 5h51
